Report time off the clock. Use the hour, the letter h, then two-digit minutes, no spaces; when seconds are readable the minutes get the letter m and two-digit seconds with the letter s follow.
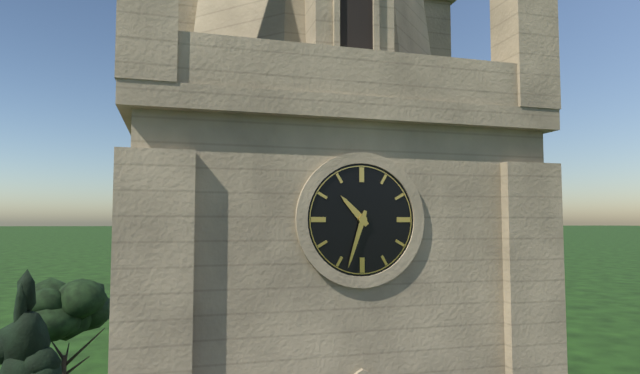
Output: 10h33
